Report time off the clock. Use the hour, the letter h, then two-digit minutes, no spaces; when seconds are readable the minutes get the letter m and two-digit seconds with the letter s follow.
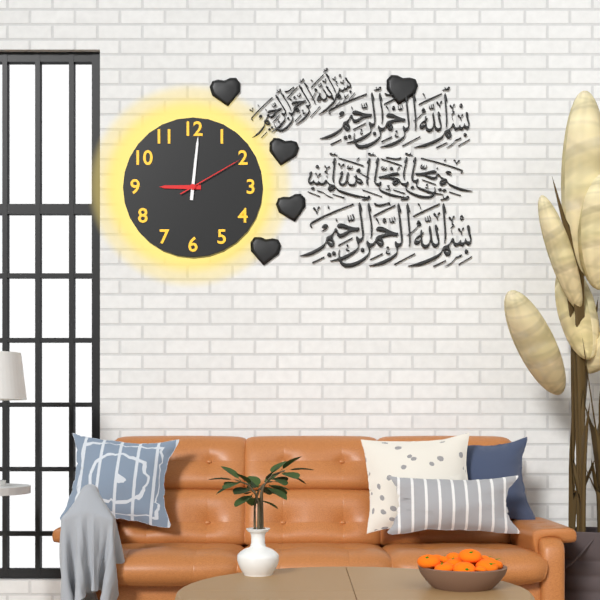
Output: 9h01m10s
